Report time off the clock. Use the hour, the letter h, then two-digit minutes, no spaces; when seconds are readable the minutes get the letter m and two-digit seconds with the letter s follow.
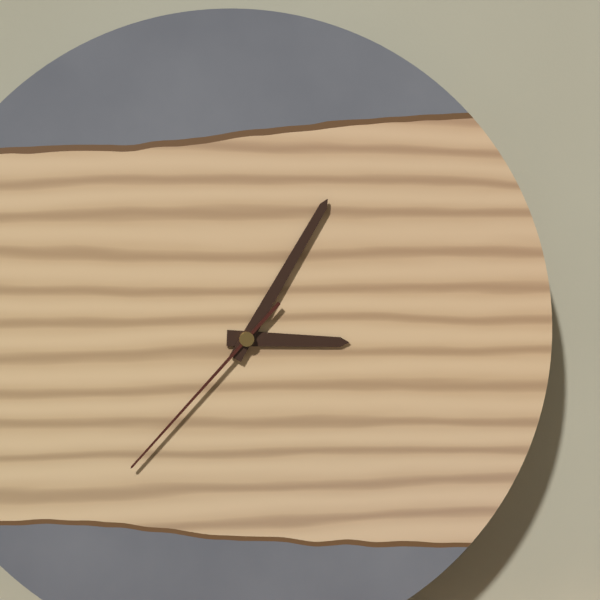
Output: 3h05m37s
